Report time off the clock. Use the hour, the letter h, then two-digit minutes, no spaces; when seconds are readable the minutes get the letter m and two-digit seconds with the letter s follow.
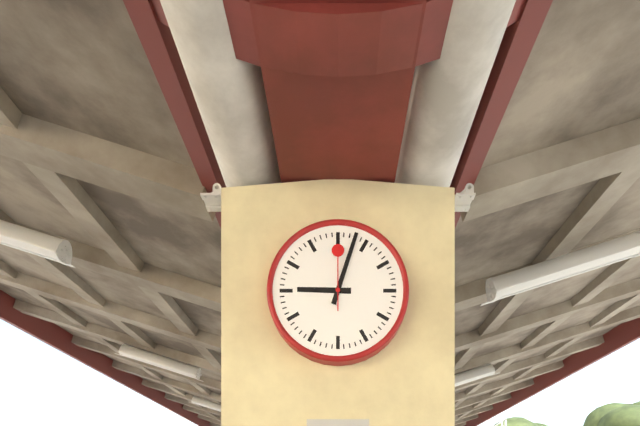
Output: 9h03m00s
